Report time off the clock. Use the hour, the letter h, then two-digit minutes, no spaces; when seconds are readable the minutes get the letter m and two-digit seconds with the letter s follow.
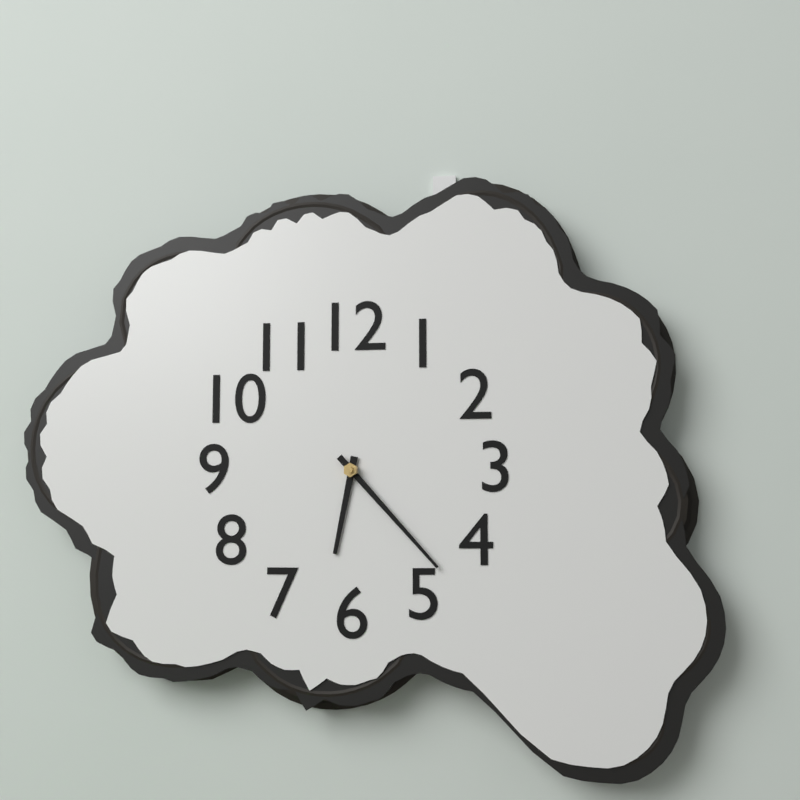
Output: 6h23
